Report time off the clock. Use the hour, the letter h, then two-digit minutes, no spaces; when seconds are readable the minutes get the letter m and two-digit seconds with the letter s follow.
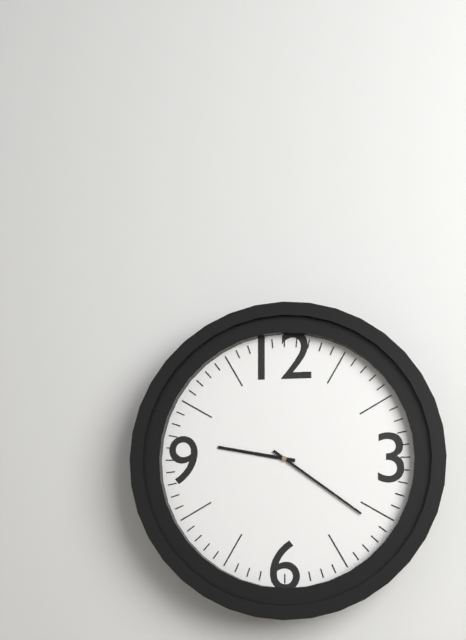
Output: 9h21
